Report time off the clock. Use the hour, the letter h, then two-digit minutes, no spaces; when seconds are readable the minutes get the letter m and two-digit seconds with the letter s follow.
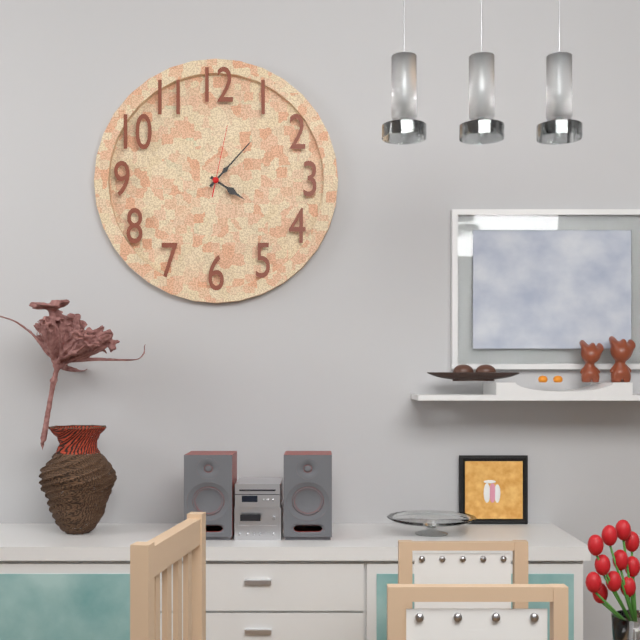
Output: 4h07m02s
